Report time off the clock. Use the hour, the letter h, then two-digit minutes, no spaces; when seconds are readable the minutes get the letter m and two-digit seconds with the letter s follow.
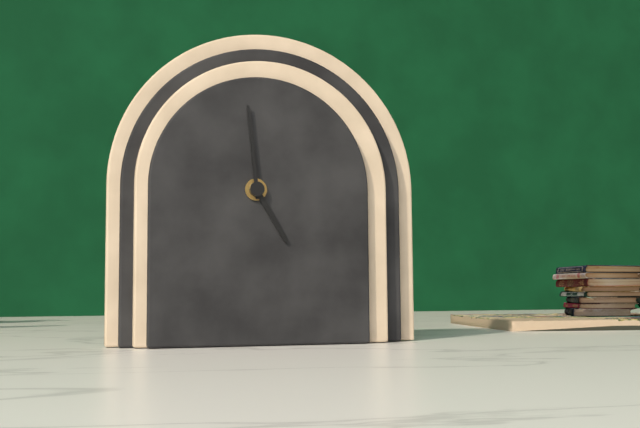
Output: 4h59
